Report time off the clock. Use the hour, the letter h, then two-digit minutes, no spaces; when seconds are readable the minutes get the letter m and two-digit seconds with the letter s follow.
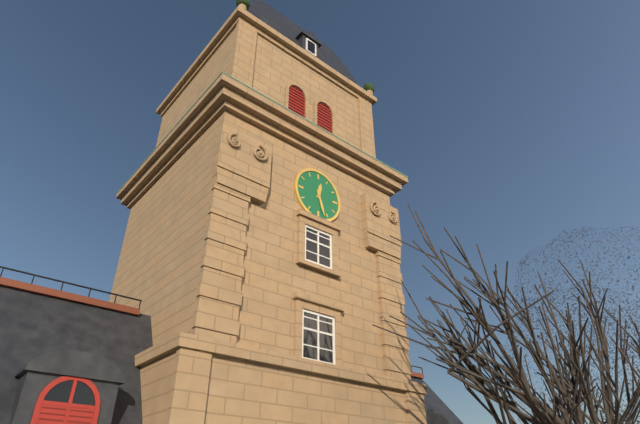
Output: 12h27
